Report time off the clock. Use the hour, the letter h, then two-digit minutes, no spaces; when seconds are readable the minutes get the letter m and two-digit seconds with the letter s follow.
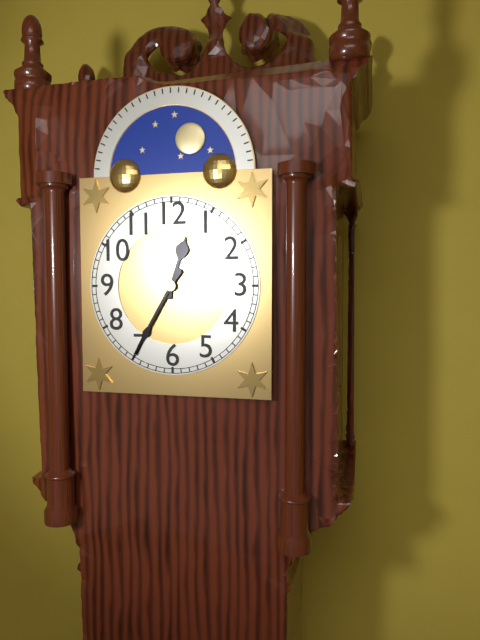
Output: 12h35
